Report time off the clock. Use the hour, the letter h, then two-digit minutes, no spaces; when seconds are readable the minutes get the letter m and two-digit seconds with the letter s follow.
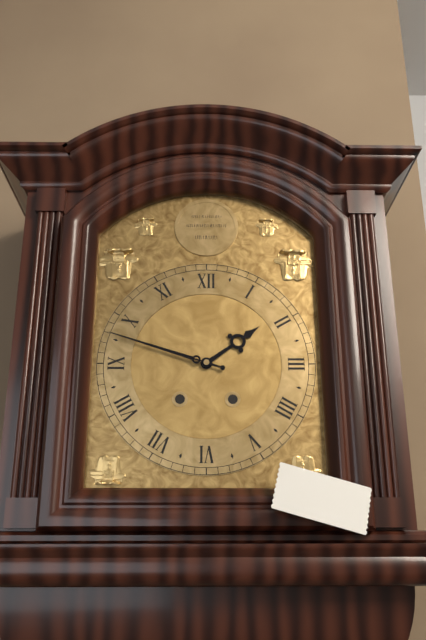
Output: 1h48
